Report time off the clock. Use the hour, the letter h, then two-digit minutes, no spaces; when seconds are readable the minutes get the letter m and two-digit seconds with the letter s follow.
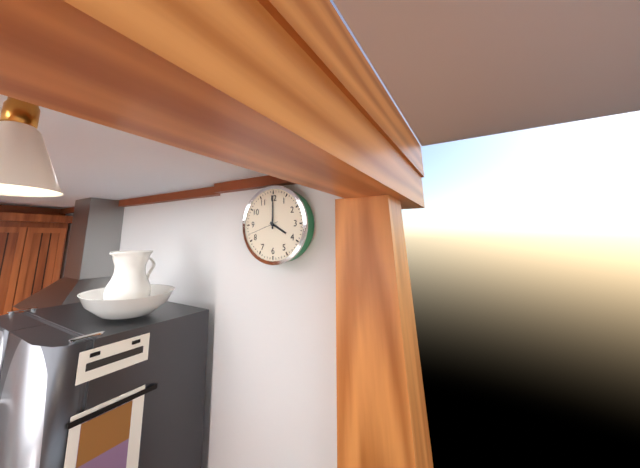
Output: 4h00
